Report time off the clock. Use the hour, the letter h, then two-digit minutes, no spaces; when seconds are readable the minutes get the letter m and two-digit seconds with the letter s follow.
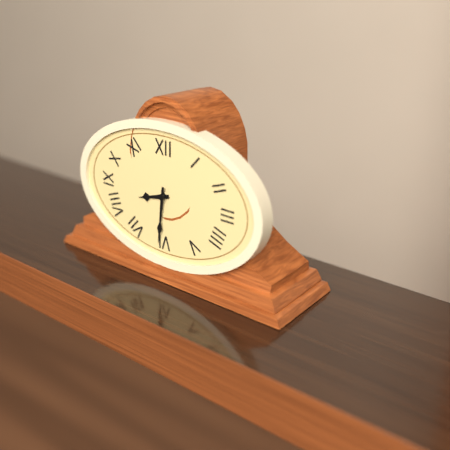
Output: 8h31
